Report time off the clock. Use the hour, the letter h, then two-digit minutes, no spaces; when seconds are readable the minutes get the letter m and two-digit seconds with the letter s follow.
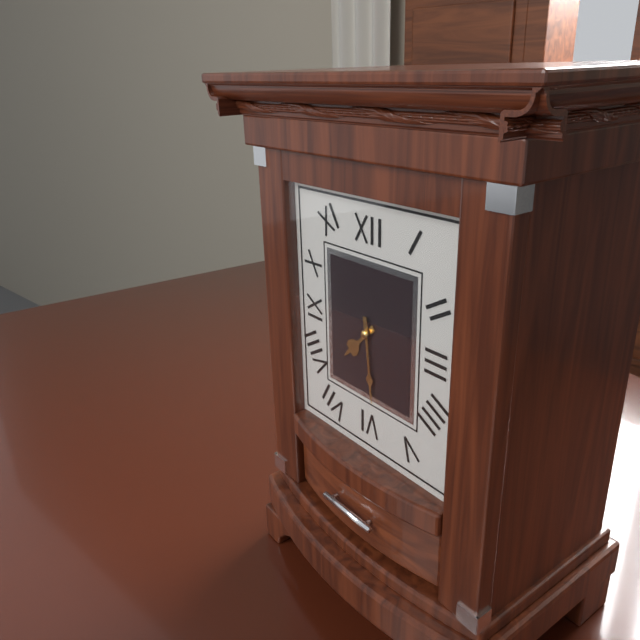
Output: 7h29
